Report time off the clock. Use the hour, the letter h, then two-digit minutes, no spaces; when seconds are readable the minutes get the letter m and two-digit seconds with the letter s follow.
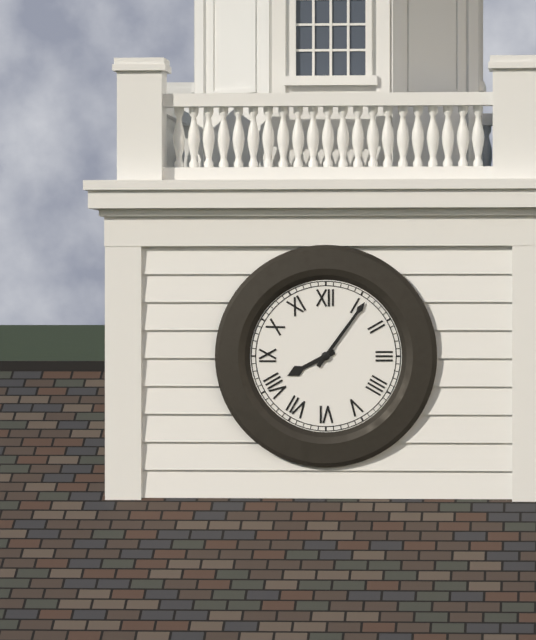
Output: 8h06
